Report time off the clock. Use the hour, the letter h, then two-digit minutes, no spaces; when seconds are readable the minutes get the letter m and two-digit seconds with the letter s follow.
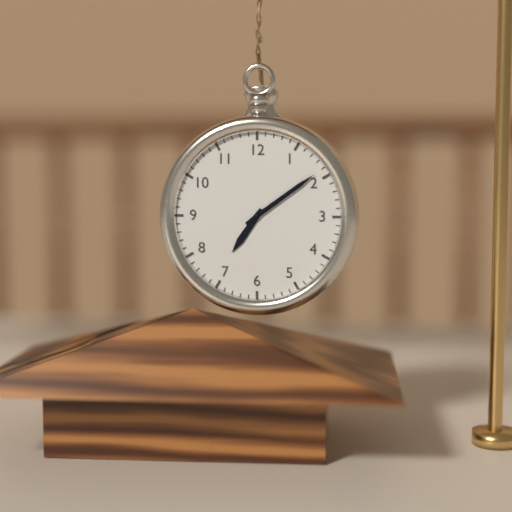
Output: 7h09
